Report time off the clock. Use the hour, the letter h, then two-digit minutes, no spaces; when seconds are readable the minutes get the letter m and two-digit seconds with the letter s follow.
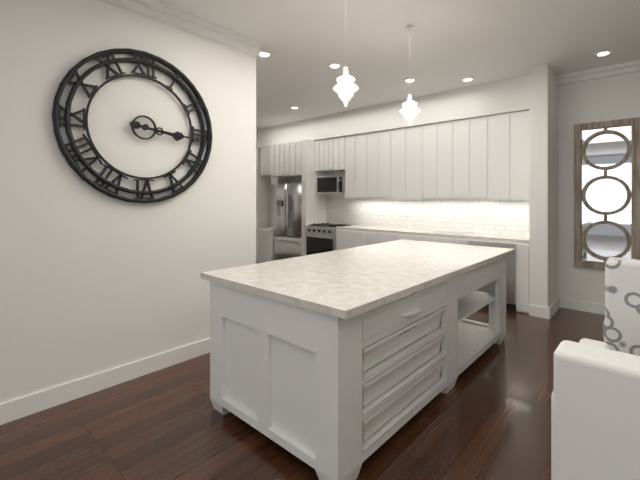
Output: 3h16
